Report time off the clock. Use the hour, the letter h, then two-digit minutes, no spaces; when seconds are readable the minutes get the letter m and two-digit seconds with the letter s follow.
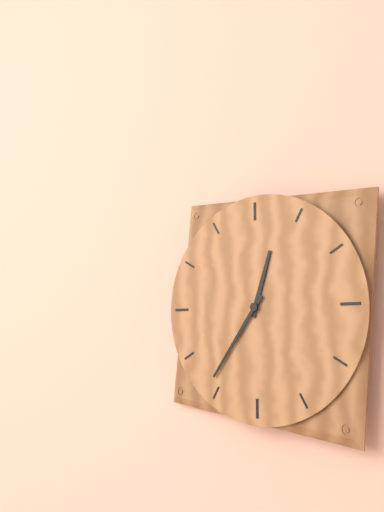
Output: 12h36
